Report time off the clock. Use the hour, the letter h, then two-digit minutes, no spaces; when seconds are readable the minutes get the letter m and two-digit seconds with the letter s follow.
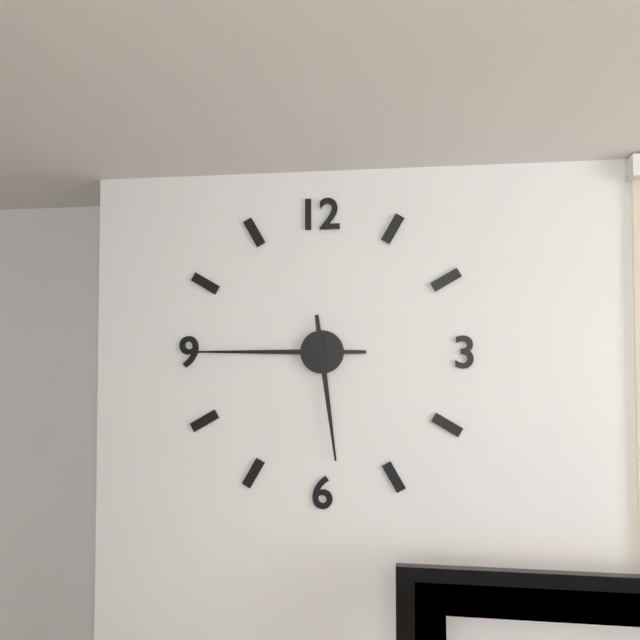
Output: 5h45
